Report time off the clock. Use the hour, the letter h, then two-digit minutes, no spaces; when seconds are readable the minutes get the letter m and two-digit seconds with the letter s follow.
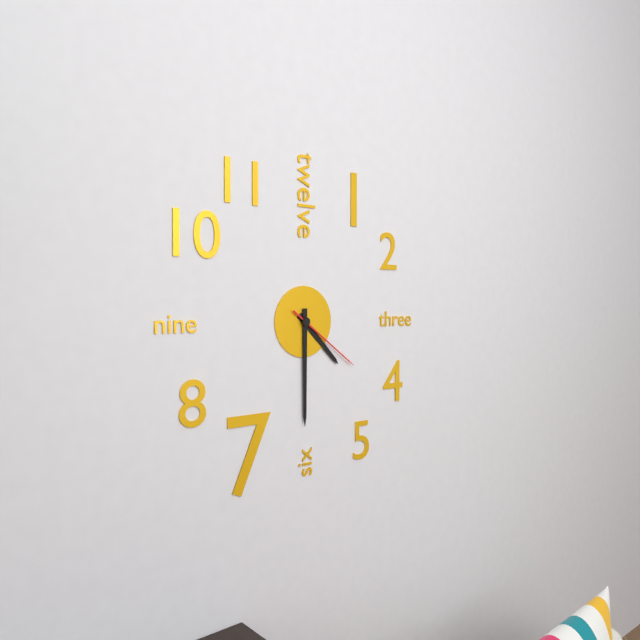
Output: 4h30m21s
